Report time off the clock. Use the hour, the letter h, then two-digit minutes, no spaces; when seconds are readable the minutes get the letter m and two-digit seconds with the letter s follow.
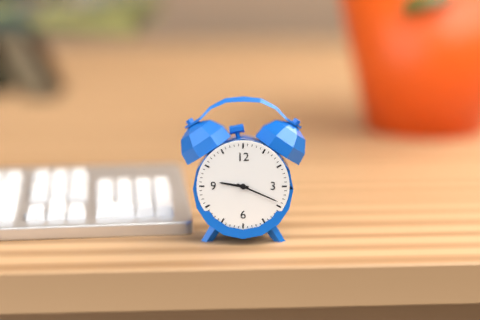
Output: 9h19
